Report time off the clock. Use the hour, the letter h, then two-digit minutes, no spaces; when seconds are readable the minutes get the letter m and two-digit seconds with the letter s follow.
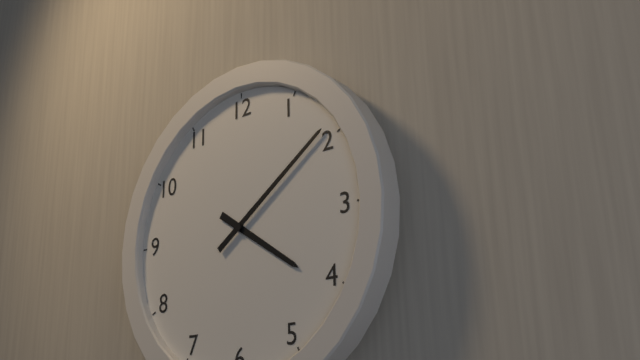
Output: 4h09
